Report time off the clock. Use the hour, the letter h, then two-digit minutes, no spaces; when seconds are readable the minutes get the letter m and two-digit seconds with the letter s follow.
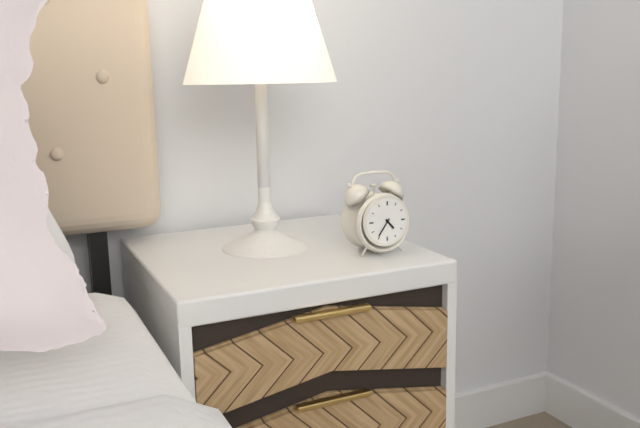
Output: 4h36
